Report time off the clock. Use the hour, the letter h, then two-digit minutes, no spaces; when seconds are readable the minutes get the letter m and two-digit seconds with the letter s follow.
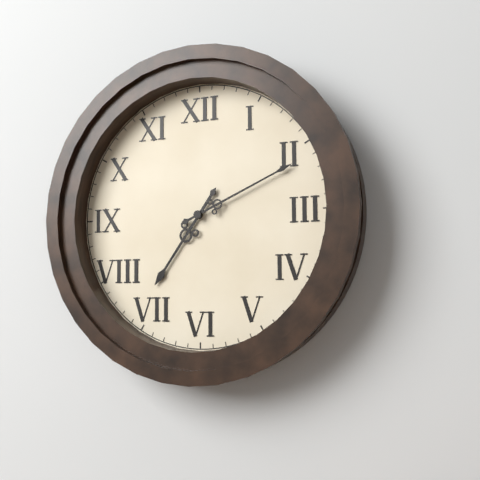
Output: 7h11
